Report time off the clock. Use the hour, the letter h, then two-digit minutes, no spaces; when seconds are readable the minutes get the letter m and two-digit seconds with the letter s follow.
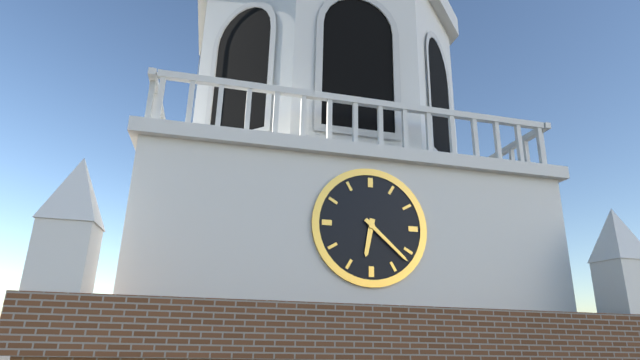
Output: 6h22
